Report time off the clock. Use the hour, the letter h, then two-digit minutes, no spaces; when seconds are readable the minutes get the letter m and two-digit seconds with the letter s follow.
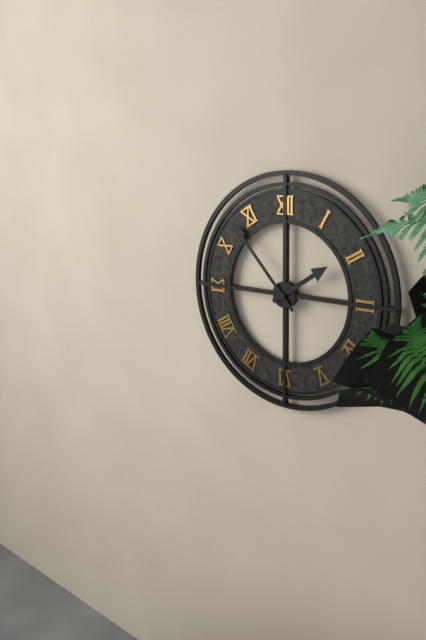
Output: 1h53
